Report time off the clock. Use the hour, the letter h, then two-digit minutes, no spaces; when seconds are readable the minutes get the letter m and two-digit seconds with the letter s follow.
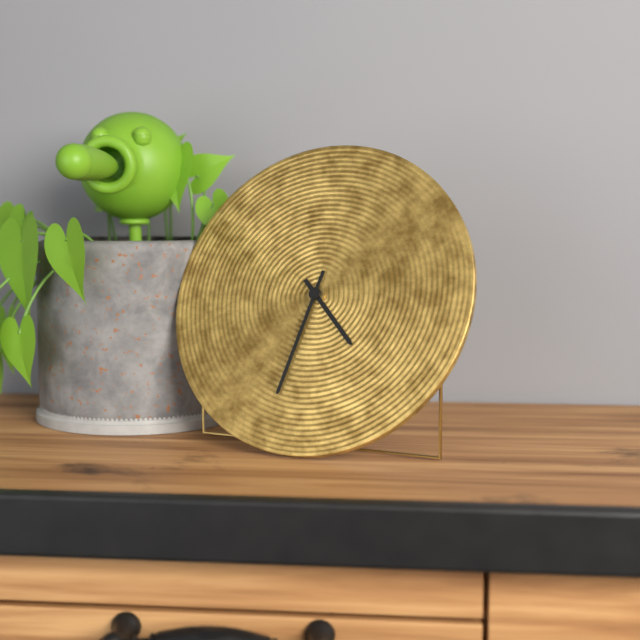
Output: 4h32
